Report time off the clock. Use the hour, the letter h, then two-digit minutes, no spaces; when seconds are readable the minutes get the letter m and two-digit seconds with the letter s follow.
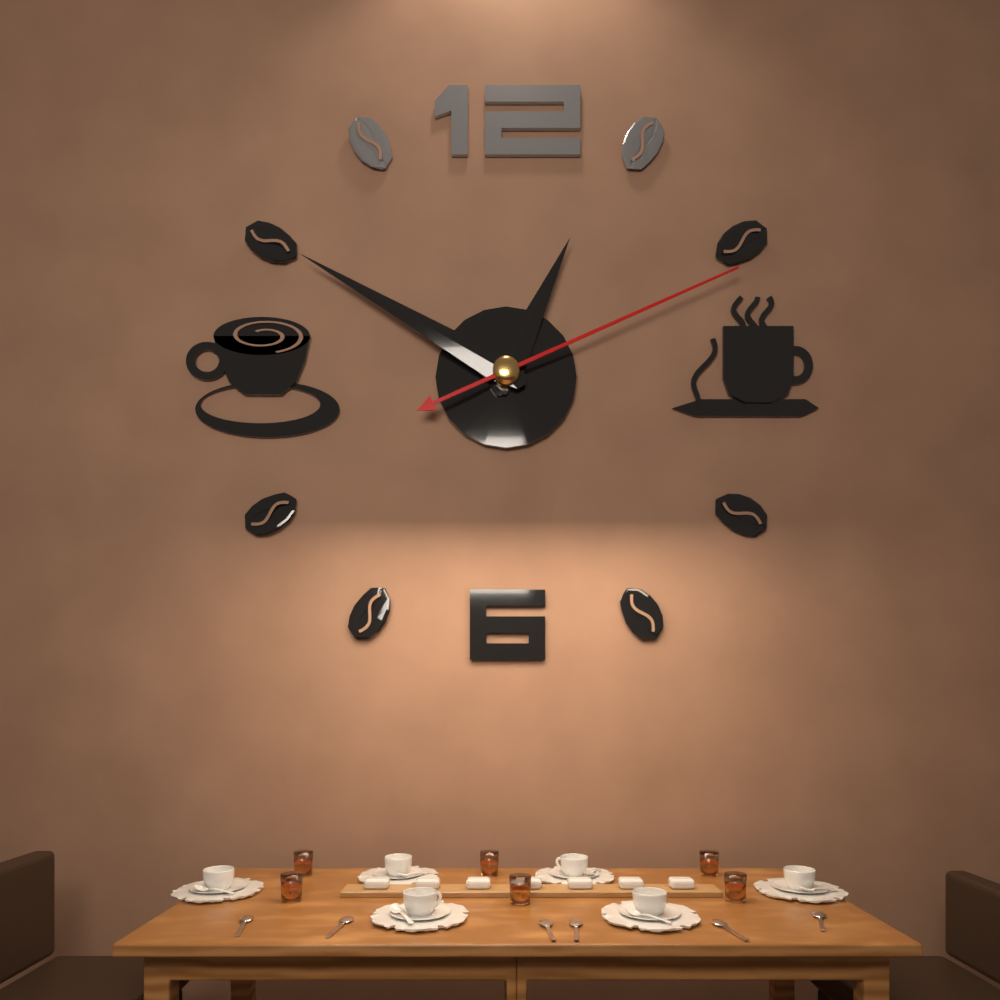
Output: 12h50m11s
